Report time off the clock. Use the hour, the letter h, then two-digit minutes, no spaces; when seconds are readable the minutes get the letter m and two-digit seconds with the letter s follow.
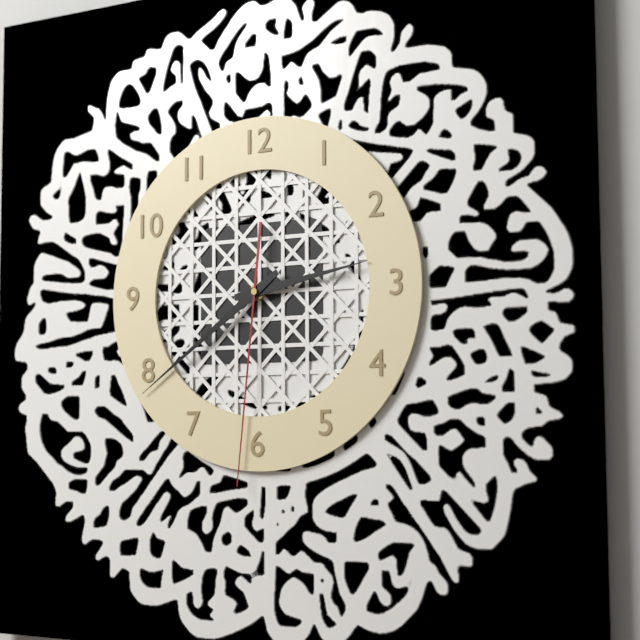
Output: 2h39m31s
